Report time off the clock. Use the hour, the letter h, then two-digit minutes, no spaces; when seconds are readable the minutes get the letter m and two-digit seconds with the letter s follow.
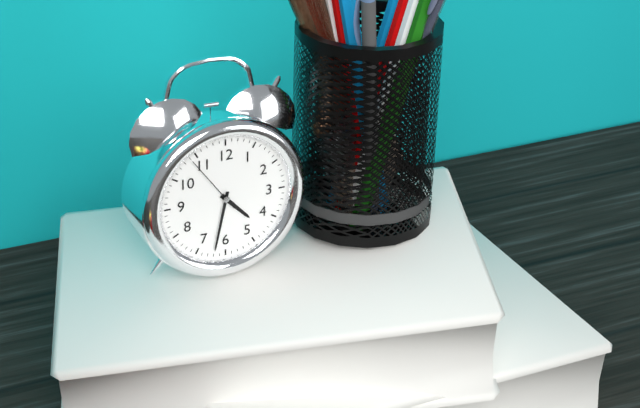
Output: 4h32m54s
